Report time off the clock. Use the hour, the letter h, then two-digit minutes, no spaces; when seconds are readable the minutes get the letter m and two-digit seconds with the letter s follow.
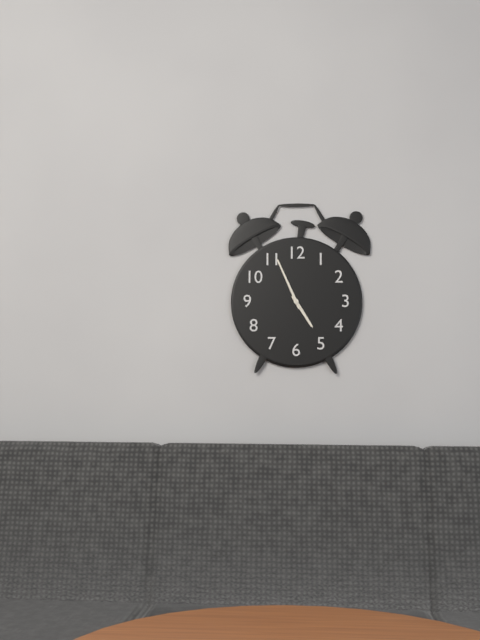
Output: 4h56
